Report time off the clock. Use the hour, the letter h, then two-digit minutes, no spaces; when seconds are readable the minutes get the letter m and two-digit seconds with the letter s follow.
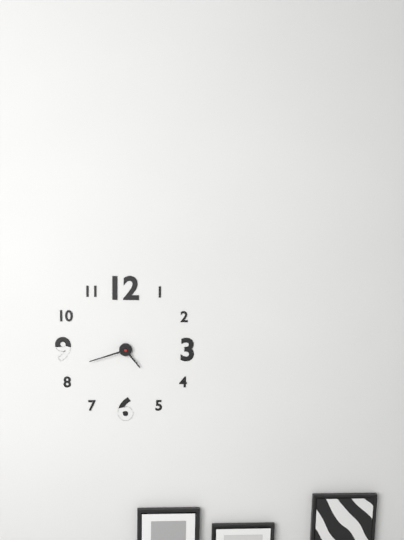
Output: 4h42
